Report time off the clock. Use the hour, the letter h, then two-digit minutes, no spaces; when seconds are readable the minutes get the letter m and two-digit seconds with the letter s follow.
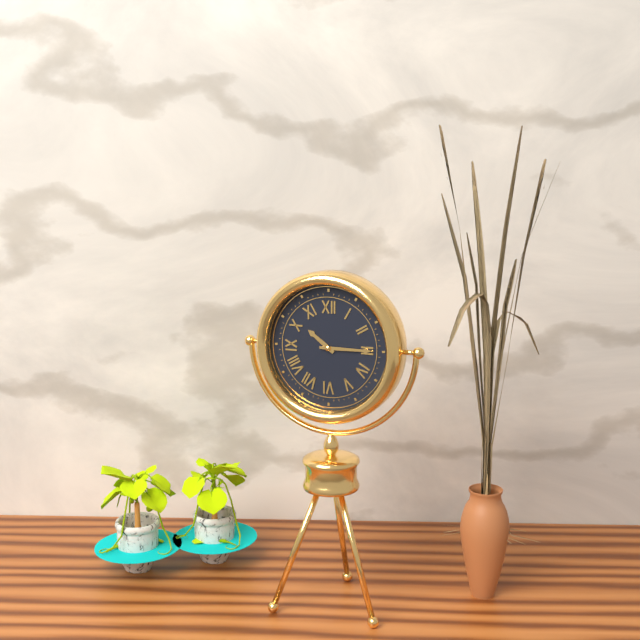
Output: 10h15
